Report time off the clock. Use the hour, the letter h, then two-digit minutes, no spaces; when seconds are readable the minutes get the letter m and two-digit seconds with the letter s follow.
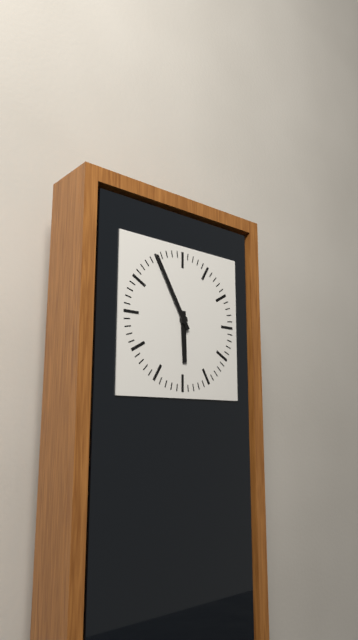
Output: 5h55
